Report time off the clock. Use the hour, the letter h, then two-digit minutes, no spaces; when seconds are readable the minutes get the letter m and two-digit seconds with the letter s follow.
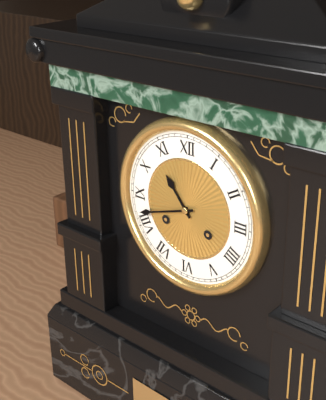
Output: 10h42
